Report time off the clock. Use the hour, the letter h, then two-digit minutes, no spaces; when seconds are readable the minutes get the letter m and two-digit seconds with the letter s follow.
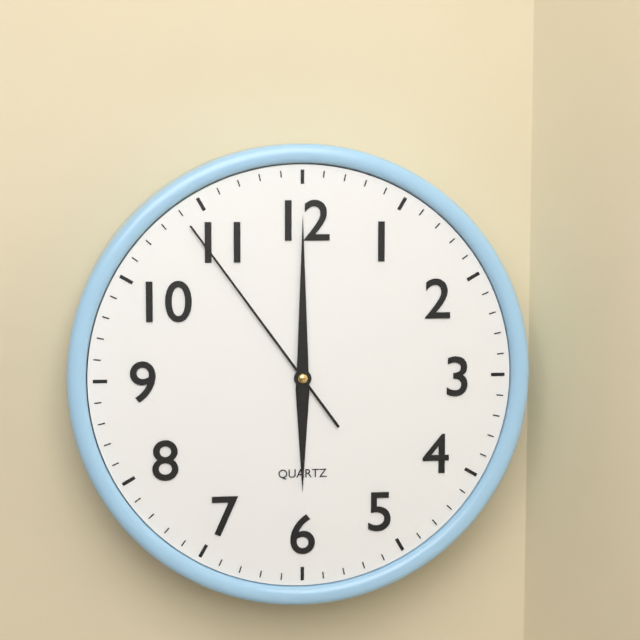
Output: 6h00m54s
